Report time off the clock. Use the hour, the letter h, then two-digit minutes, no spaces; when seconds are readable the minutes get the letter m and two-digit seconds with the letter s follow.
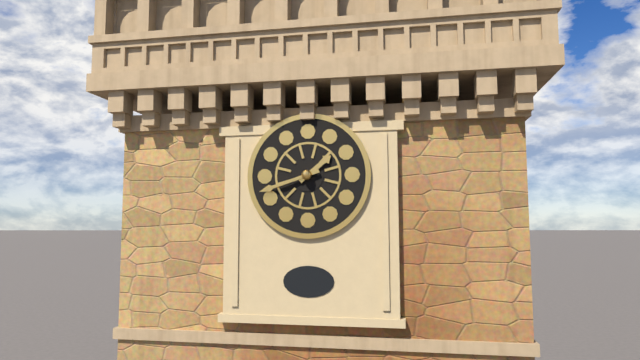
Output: 1h42
